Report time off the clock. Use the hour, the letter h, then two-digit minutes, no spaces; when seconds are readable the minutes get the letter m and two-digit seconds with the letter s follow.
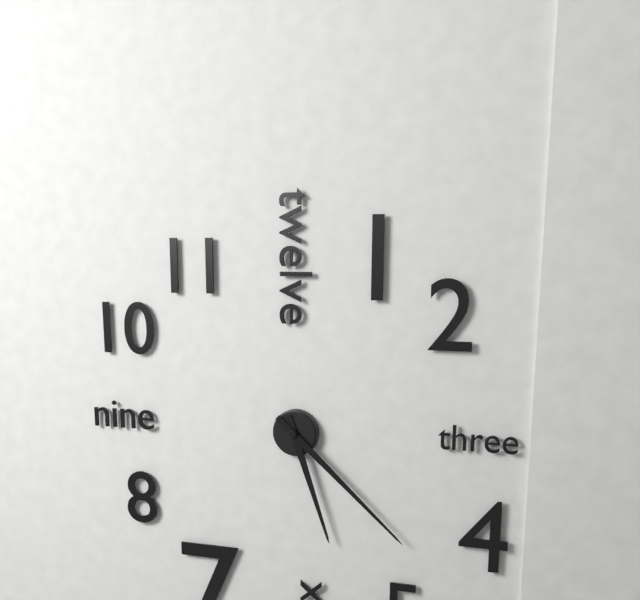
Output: 5h22
